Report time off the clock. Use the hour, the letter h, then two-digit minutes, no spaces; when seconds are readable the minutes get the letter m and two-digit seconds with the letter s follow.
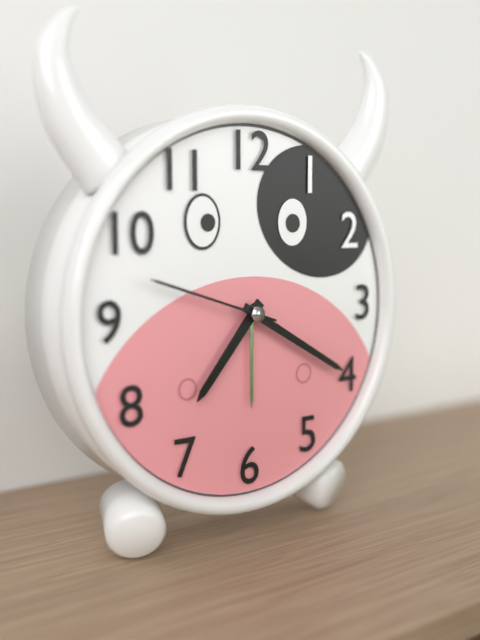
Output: 7h20m48s
